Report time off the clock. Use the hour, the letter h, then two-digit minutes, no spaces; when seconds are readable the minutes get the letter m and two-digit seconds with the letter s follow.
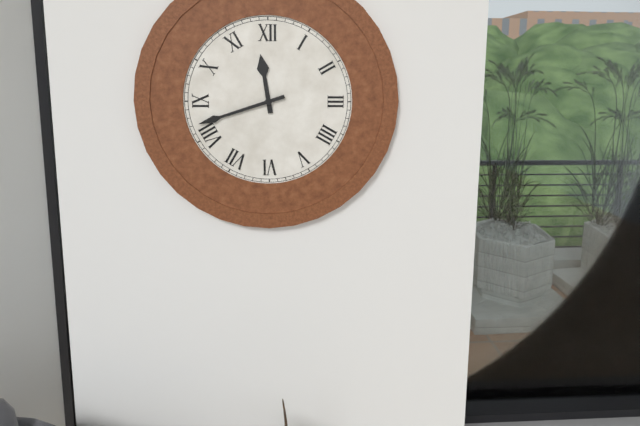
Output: 11h42
